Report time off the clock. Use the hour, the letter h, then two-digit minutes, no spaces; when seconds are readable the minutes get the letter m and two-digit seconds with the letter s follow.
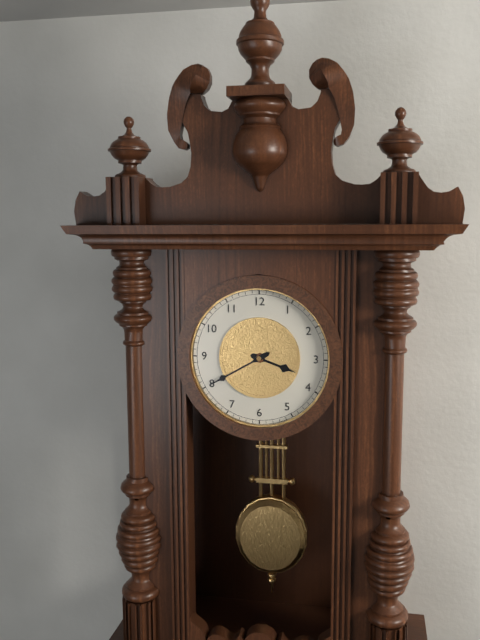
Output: 3h40
